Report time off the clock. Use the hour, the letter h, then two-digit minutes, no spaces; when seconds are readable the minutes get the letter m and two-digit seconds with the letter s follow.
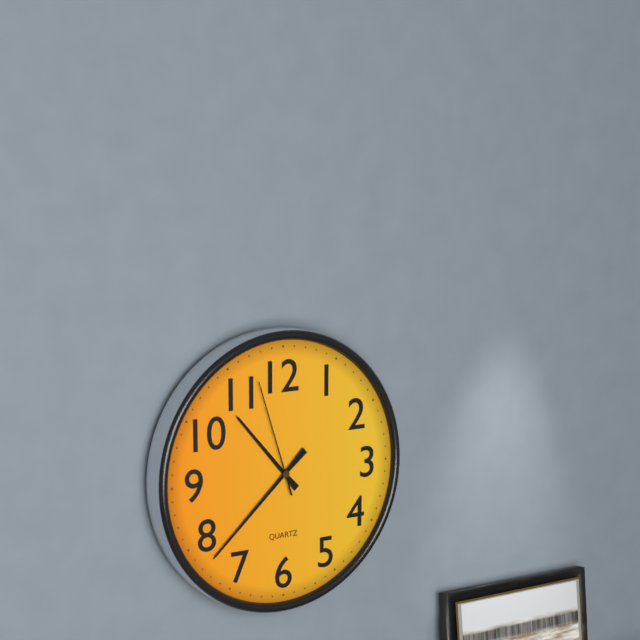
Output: 10h38m57s
